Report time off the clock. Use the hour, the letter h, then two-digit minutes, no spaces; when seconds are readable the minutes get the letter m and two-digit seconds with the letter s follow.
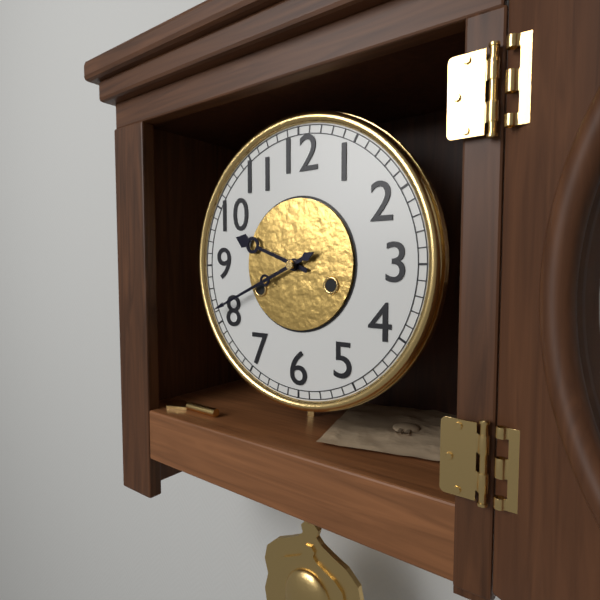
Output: 9h41
